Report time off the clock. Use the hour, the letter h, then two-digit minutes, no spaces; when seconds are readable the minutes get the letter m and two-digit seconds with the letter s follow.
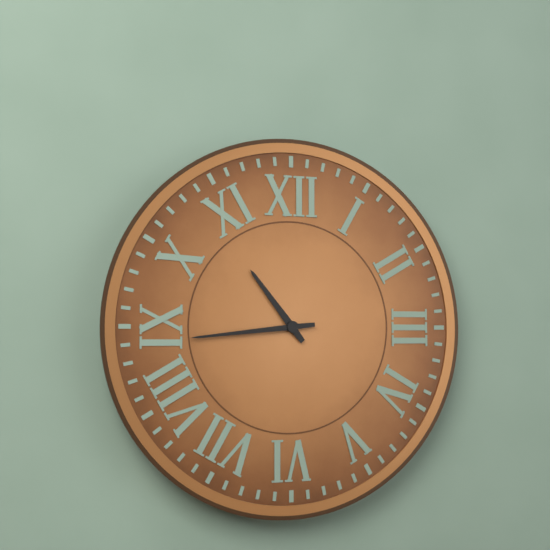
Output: 10h44
